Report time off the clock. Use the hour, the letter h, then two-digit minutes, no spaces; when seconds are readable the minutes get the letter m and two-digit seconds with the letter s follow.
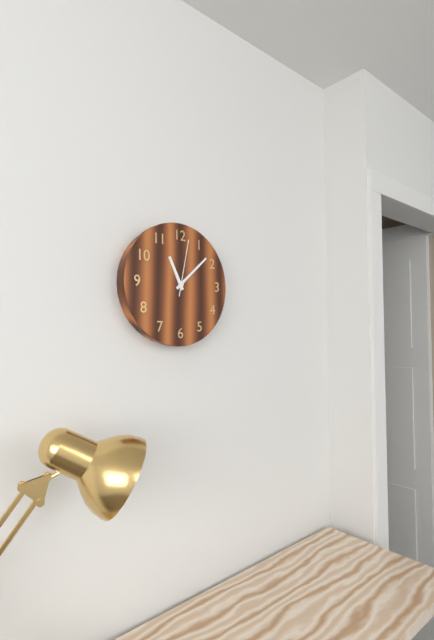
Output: 11h08m02s
